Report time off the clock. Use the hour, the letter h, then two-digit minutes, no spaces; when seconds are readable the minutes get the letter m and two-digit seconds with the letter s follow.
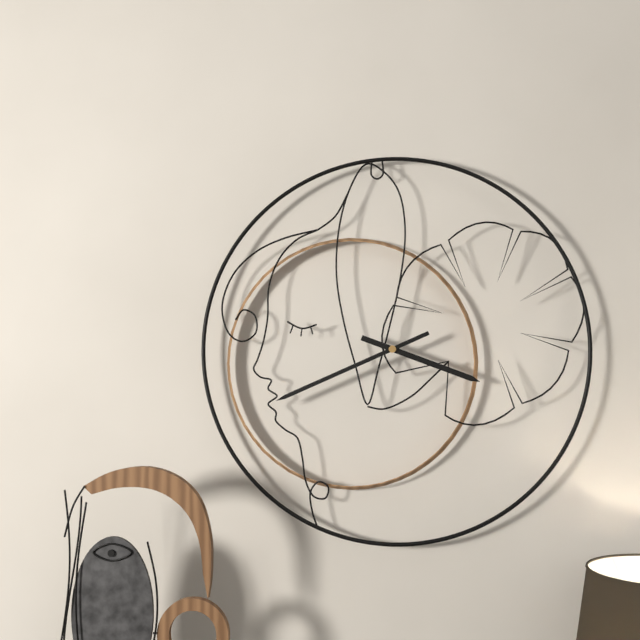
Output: 3h41
